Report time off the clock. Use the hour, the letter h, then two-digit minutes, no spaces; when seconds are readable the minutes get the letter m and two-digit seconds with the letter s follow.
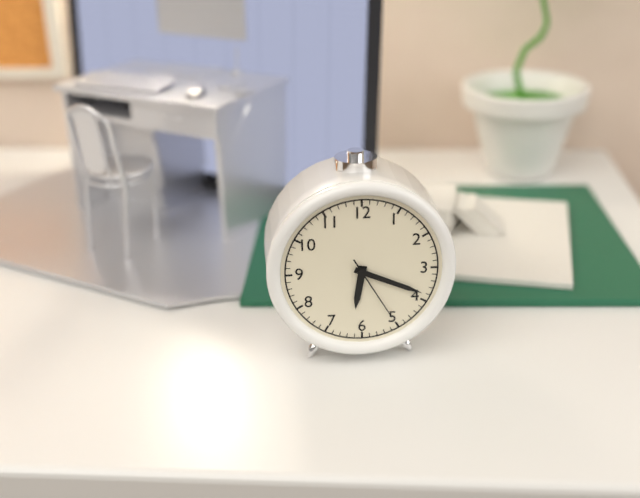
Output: 6h19m25s
